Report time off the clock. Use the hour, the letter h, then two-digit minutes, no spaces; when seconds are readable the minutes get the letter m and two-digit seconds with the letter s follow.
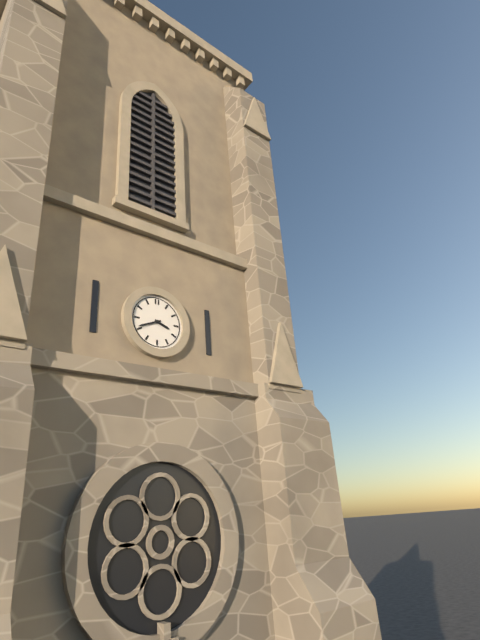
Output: 3h41
